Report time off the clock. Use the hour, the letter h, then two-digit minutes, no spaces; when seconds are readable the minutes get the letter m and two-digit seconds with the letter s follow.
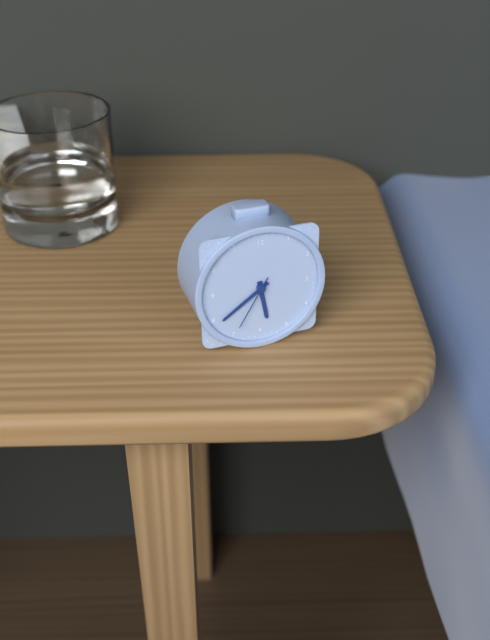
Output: 5h39m35s
